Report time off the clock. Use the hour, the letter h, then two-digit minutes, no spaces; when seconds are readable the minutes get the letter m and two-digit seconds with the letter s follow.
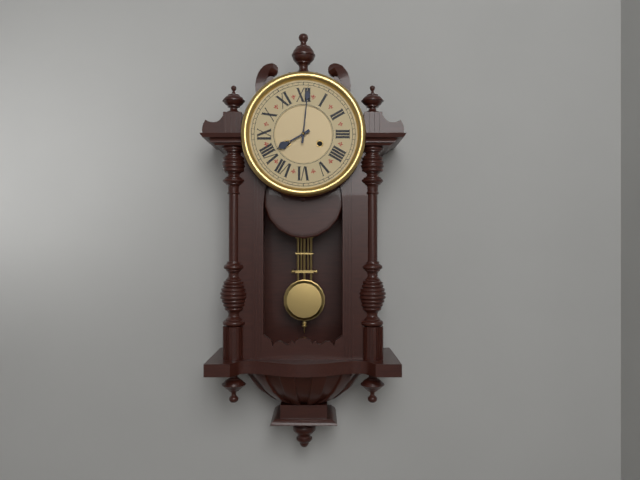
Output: 8h01
